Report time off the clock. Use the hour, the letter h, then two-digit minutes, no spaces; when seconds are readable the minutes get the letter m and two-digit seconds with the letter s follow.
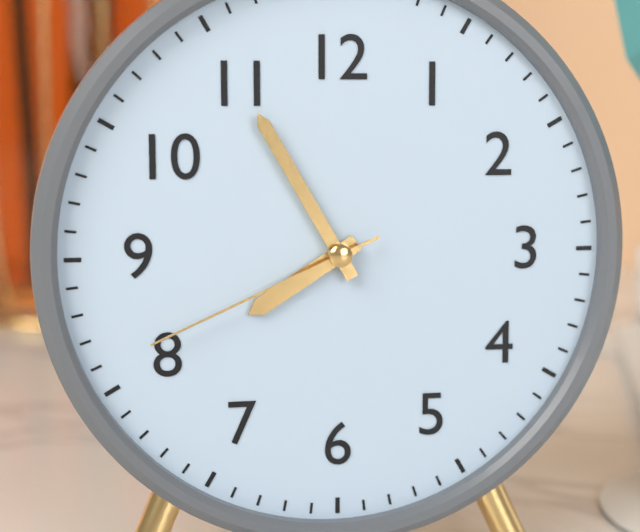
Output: 7h55m41s
